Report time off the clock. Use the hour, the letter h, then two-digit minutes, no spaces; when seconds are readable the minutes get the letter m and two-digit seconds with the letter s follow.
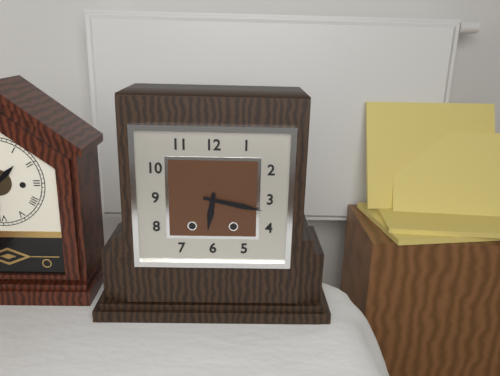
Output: 6h17
